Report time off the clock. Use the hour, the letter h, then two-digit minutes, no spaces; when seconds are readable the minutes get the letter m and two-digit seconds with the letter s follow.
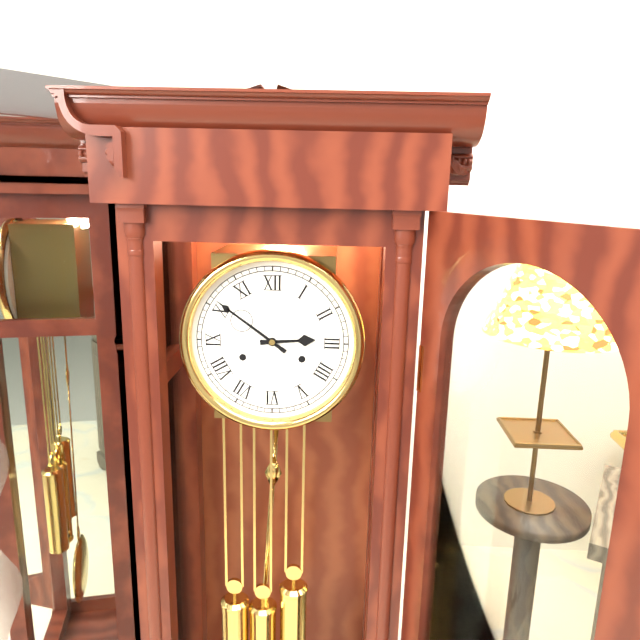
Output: 2h51
